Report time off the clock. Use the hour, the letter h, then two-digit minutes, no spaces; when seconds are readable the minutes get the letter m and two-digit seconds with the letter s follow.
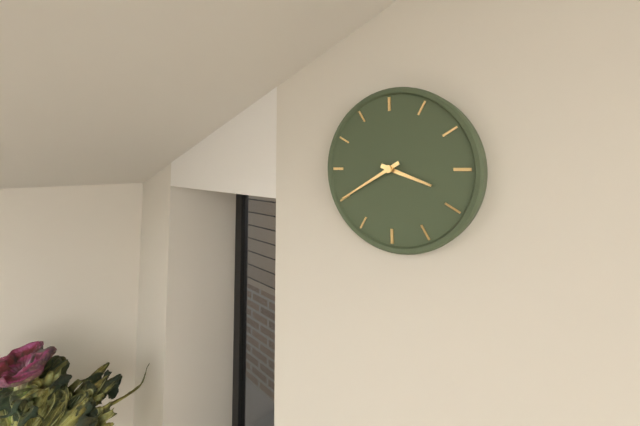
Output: 3h40
